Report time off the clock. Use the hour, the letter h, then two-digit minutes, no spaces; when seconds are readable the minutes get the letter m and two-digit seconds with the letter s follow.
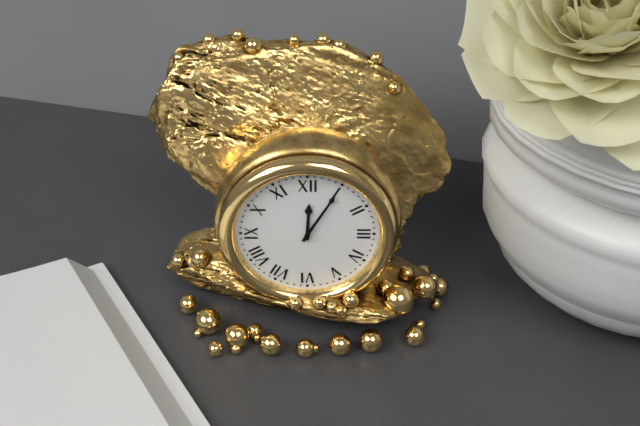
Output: 12h05
